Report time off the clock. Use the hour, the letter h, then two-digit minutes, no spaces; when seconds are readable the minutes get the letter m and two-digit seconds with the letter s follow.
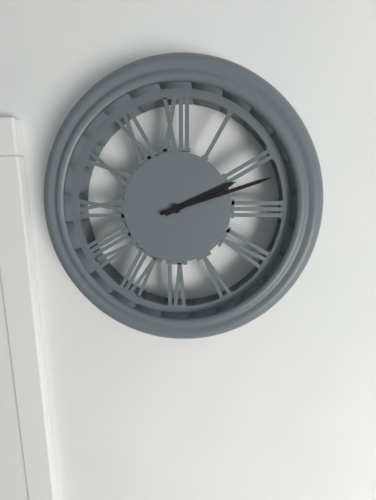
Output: 2h12
